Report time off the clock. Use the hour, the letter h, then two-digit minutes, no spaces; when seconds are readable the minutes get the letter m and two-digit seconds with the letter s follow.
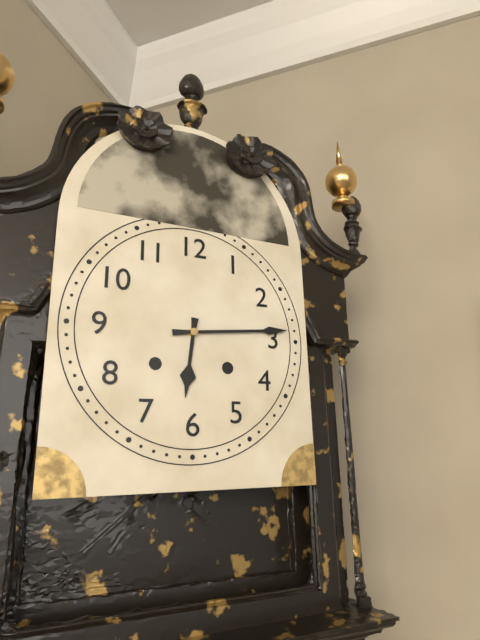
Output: 6h14
